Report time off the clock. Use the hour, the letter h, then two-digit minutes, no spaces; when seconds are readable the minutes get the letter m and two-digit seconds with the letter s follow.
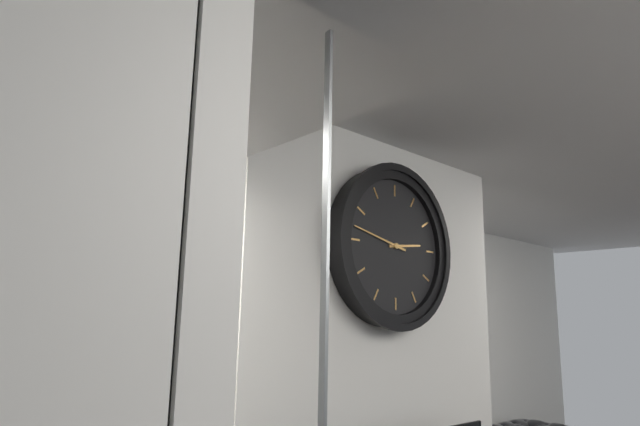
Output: 2h47
